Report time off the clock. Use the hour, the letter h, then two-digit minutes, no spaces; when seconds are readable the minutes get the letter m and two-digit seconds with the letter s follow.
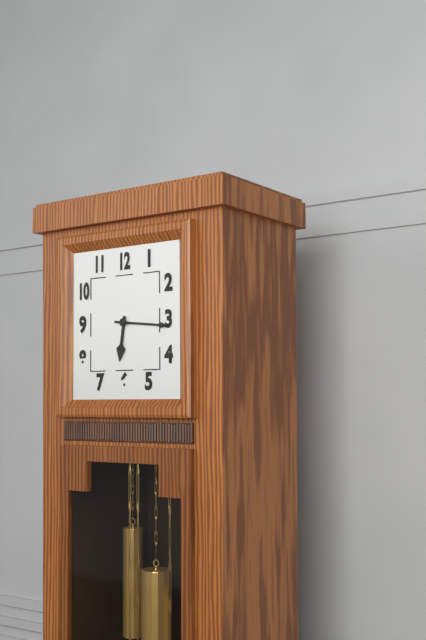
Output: 6h16
